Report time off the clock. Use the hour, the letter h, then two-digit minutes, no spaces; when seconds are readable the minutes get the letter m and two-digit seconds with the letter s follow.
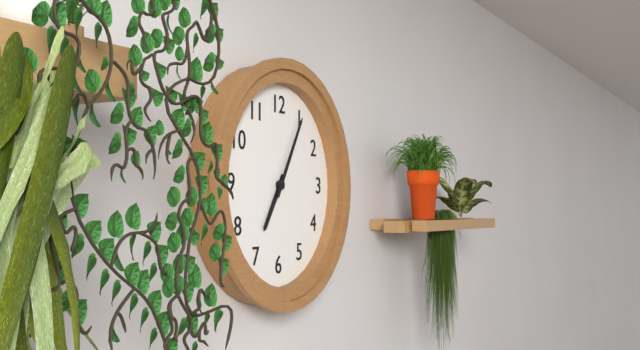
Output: 7h05
